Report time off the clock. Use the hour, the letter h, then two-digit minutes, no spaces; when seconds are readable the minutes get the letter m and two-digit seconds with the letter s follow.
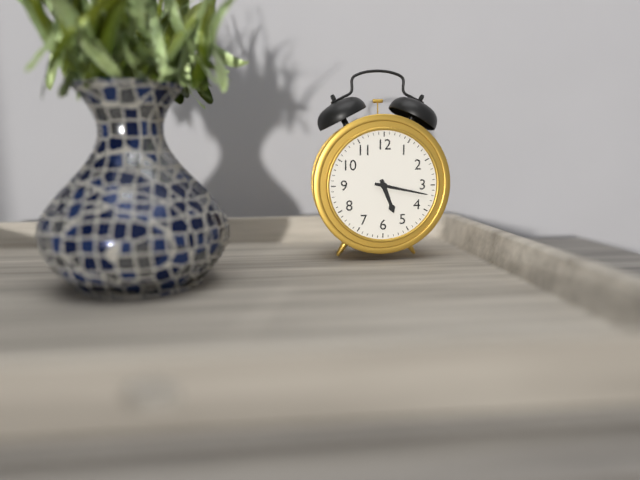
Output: 5h17
